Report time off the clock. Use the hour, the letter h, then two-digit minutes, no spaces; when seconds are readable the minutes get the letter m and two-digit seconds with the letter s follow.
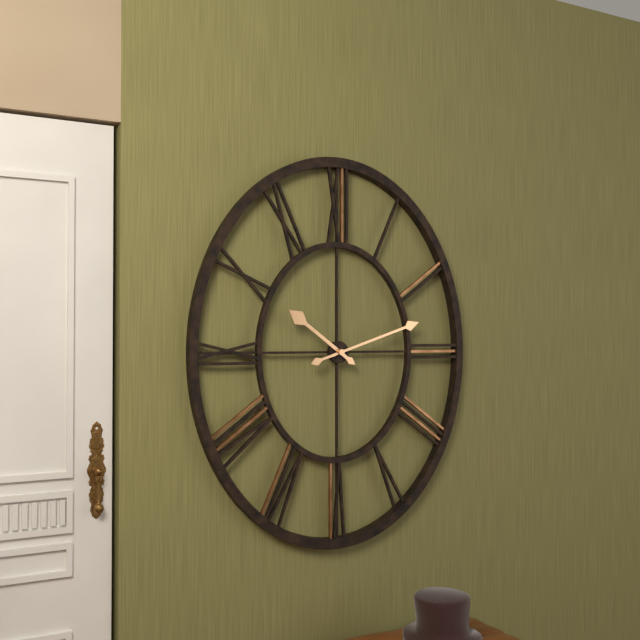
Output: 10h12
